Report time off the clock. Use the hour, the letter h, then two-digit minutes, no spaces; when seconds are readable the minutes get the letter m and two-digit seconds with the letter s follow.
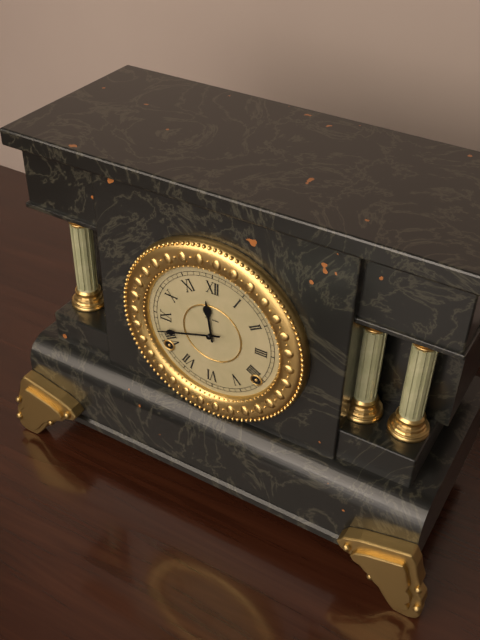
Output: 11h42
